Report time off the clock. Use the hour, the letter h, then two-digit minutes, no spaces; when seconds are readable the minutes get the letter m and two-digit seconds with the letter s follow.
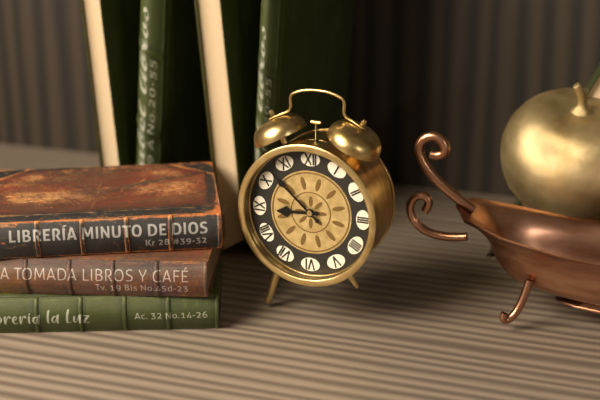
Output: 8h52
